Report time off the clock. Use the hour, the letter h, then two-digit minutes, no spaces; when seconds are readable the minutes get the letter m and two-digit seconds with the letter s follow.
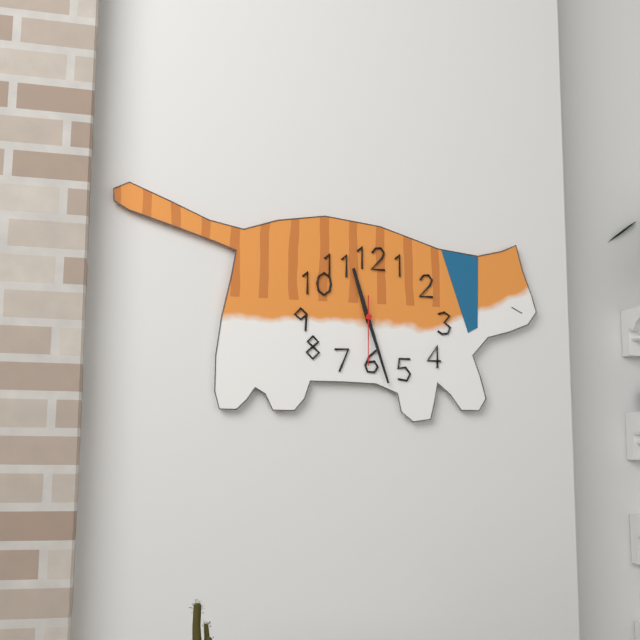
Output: 11h27m30s
